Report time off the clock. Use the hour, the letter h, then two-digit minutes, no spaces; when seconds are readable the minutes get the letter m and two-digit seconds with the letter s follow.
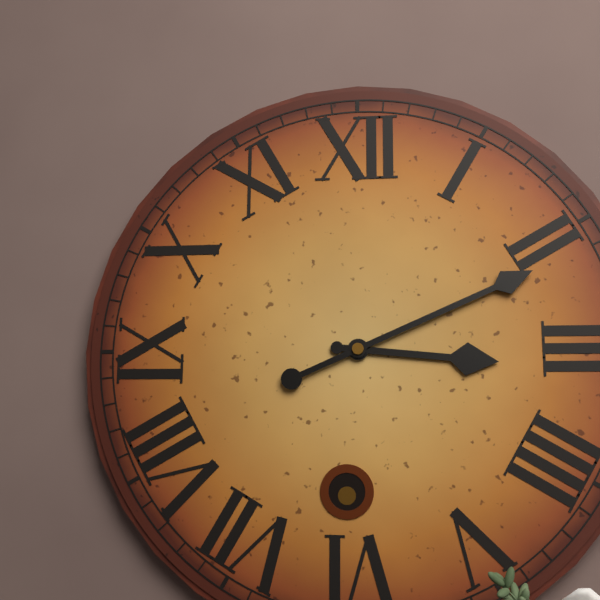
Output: 3h11
